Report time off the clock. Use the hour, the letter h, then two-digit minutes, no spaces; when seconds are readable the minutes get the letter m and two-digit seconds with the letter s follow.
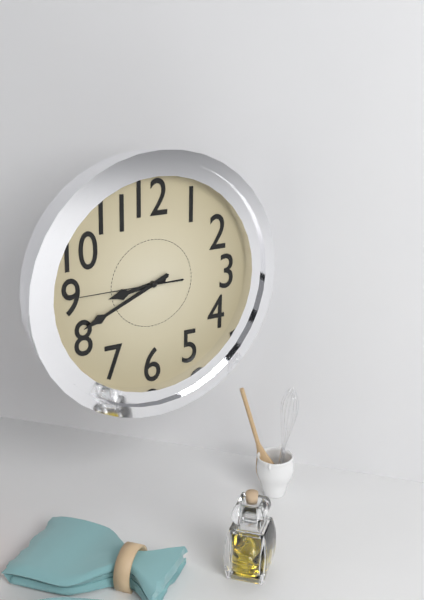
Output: 8h41m45s
